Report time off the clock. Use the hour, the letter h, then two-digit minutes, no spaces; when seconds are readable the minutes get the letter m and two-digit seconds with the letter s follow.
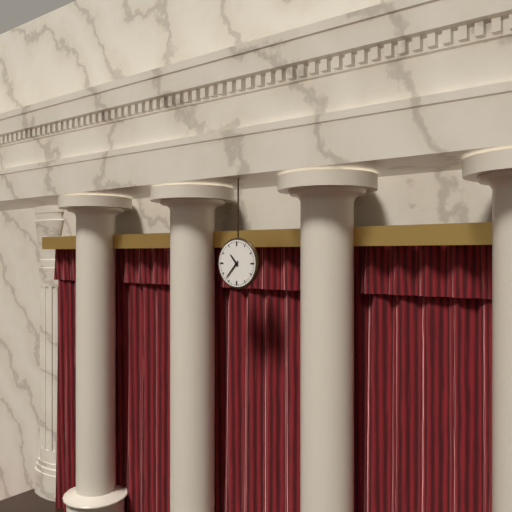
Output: 10h37
